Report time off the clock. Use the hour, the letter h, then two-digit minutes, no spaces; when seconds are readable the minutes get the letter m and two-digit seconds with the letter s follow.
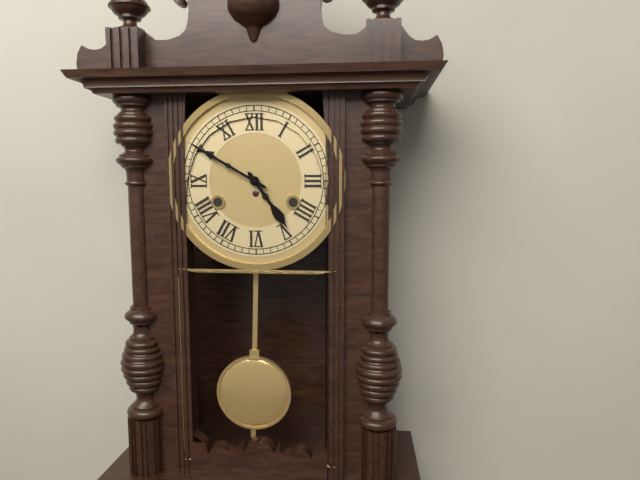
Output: 4h50
